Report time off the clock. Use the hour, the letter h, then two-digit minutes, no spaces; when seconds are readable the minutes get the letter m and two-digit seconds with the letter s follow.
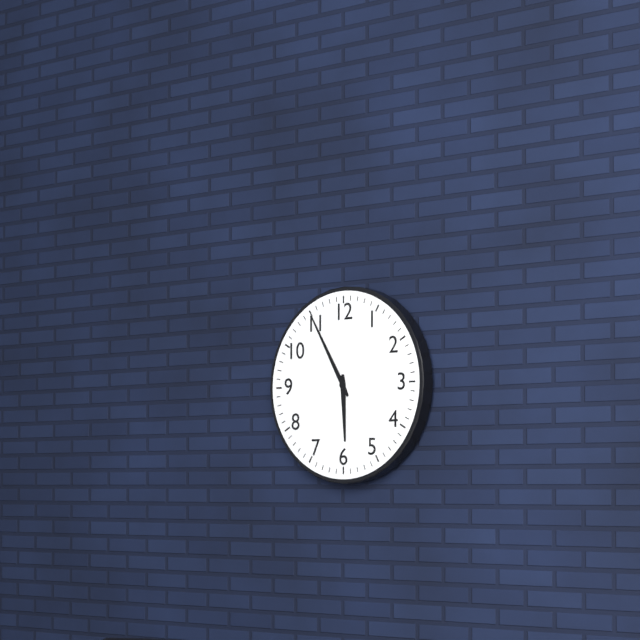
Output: 5h55
